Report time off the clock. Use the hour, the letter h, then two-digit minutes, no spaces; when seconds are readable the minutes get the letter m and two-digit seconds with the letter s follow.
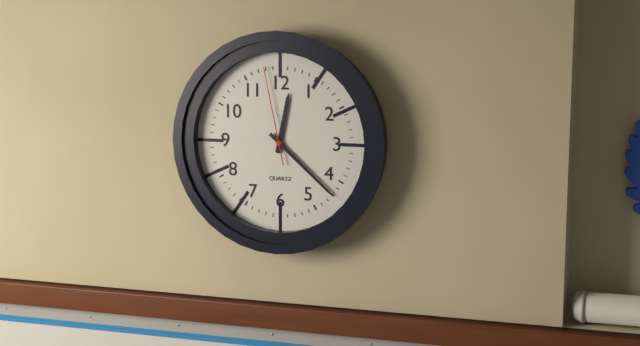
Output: 12h22m58s
